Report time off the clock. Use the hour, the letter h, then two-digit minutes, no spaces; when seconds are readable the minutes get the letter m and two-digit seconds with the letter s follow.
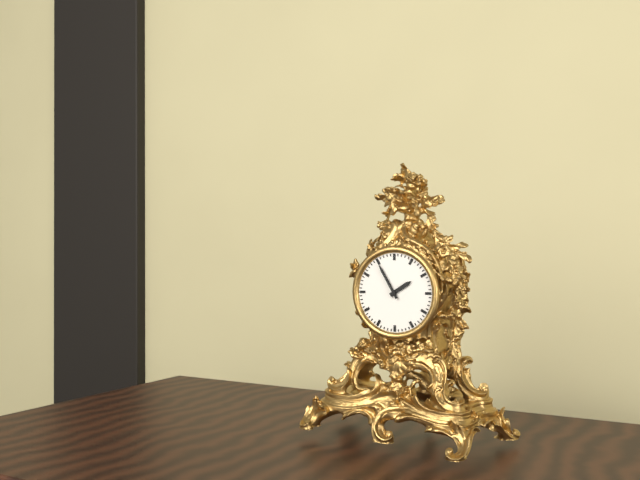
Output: 1h55
